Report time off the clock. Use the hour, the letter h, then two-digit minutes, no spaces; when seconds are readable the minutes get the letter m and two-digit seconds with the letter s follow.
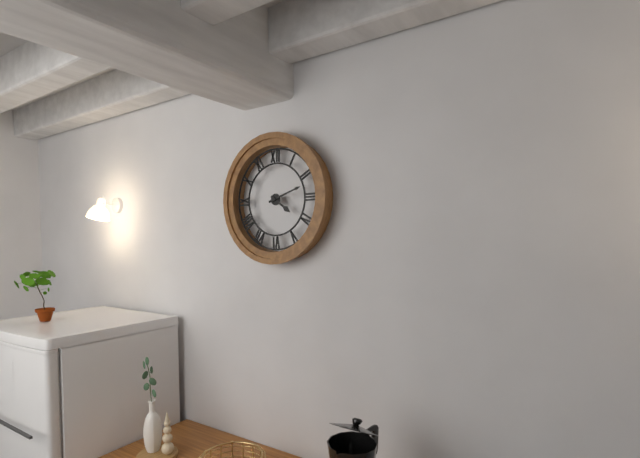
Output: 4h12
